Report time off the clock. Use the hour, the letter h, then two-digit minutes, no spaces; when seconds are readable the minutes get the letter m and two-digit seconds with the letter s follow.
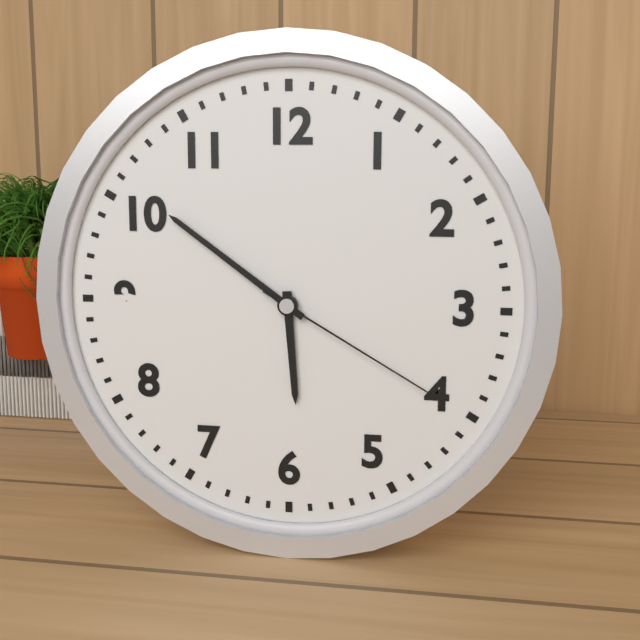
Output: 5h51m20s
